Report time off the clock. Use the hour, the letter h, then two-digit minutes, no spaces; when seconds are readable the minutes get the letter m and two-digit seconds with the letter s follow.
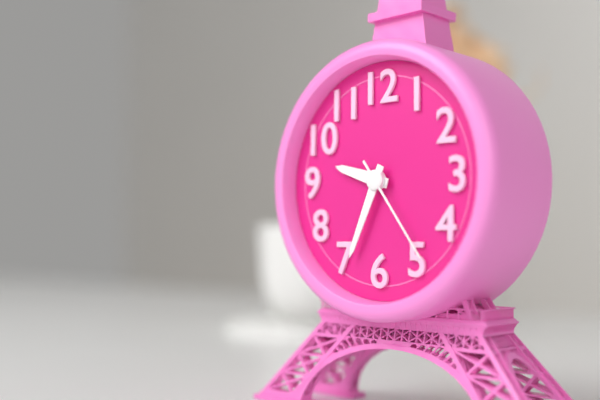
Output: 9h34m24s
